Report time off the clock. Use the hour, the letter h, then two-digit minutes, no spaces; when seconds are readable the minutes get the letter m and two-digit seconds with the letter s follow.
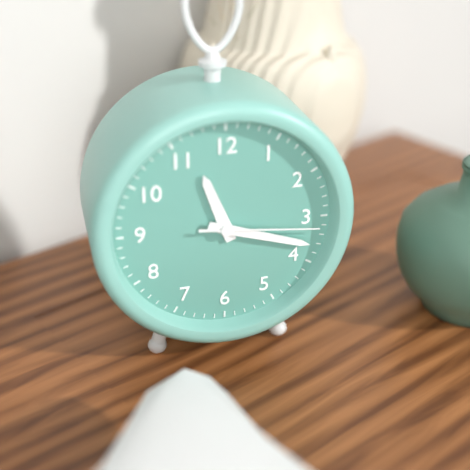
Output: 11h18m16s
